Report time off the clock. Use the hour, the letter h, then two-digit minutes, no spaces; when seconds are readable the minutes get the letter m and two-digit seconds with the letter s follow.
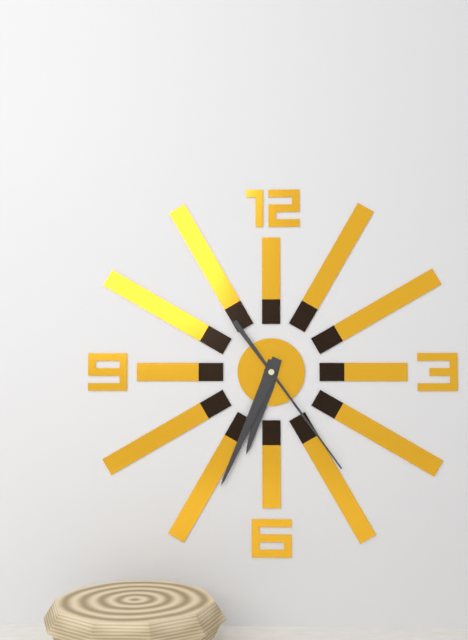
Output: 6h34m24s
